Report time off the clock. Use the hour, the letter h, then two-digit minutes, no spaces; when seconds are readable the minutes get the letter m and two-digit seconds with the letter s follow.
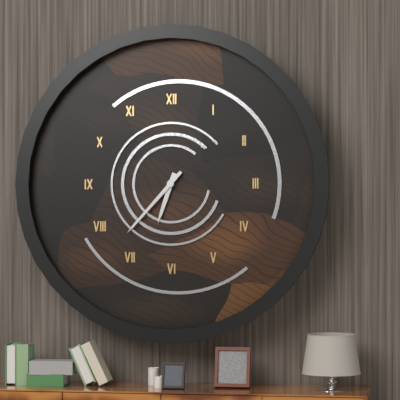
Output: 6h37
